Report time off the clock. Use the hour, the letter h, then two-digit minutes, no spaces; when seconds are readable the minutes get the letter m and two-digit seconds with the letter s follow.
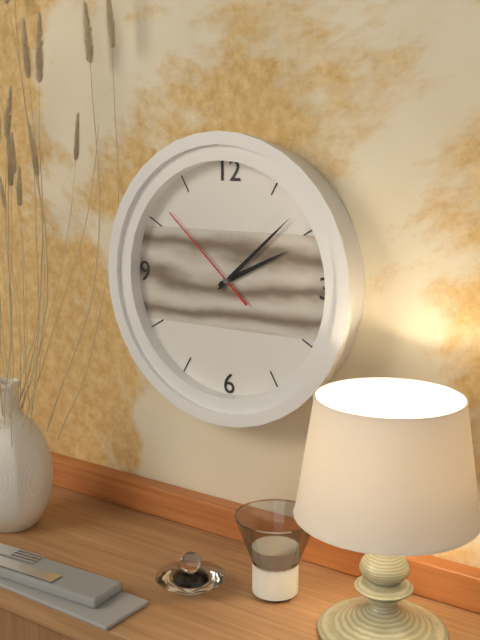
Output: 2h08m52s
